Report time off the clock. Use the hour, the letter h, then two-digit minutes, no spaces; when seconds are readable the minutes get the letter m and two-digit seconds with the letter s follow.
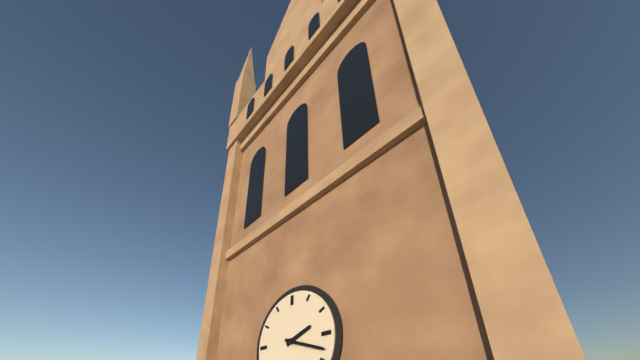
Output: 2h18
